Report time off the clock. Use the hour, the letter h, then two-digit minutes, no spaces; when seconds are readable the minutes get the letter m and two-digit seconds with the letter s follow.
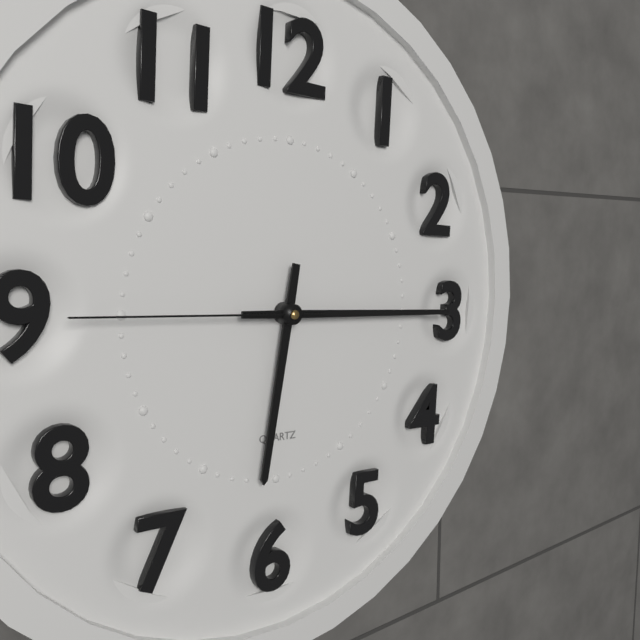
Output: 6h15m45s
